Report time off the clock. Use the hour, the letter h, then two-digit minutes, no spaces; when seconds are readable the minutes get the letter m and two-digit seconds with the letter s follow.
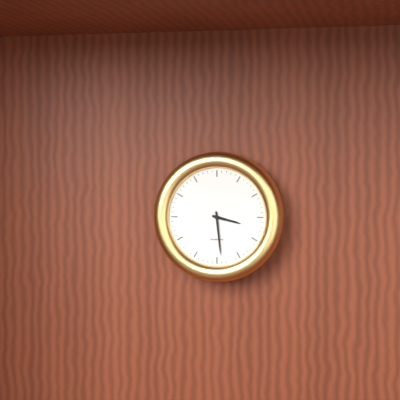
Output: 3h29
